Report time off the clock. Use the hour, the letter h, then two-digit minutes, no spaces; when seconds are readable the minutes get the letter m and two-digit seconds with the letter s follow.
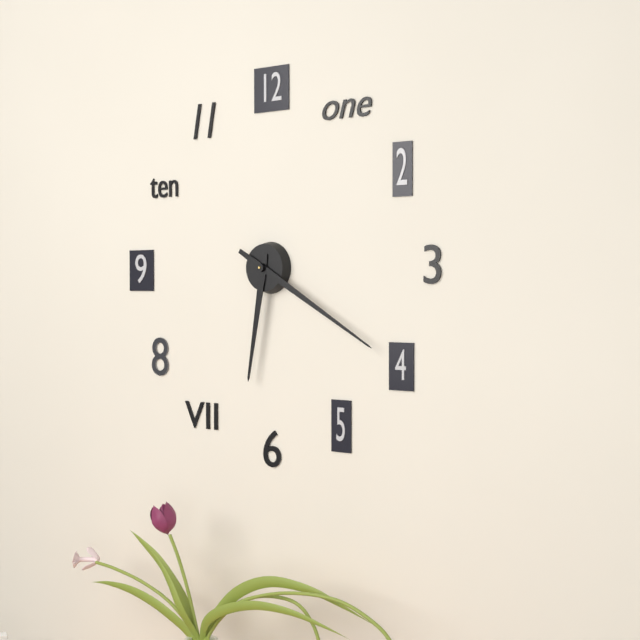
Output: 6h20
